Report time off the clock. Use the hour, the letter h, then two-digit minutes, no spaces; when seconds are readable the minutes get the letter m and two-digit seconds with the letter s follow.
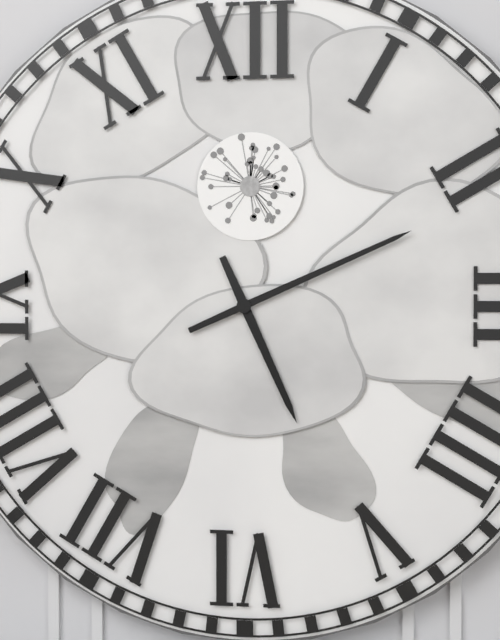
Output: 5h11
